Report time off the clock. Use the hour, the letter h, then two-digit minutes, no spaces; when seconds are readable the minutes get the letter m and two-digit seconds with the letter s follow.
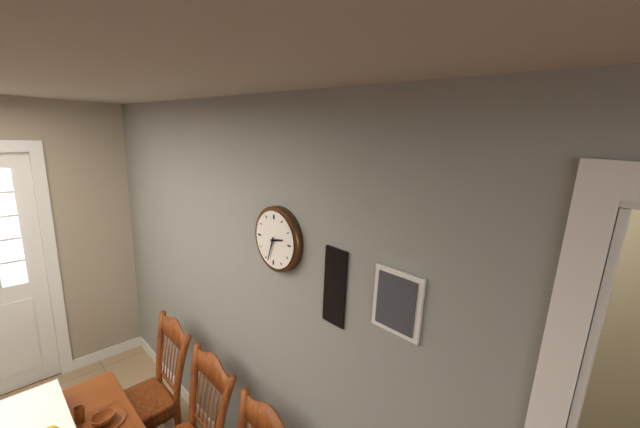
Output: 2h33
